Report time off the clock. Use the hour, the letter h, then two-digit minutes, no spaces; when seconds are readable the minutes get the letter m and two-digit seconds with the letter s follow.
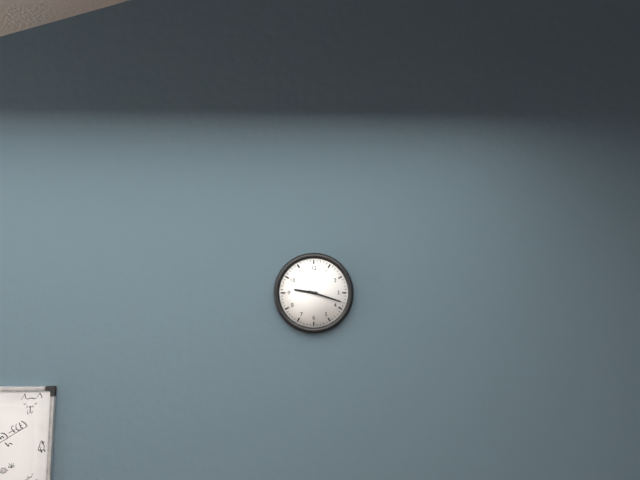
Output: 9h18
